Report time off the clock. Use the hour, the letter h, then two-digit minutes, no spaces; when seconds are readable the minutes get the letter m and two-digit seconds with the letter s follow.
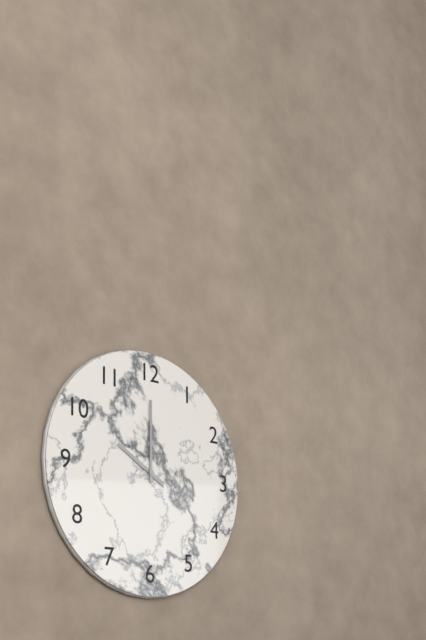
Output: 10h00
